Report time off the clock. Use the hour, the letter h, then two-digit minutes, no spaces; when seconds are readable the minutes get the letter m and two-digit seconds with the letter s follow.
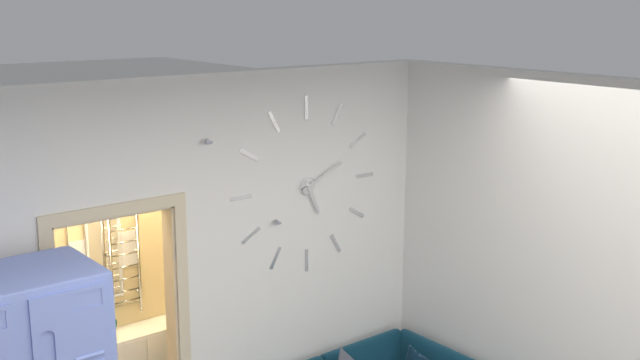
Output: 5h11
